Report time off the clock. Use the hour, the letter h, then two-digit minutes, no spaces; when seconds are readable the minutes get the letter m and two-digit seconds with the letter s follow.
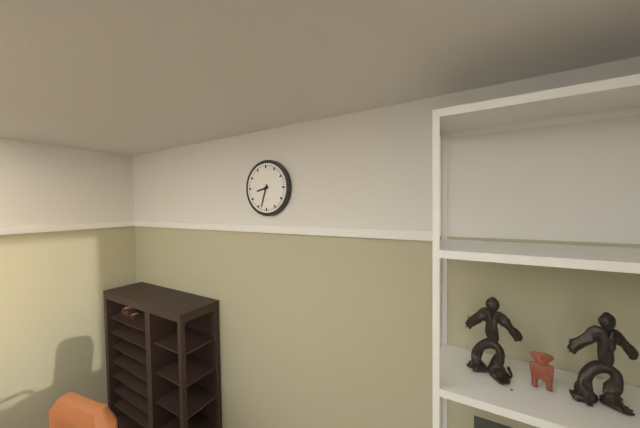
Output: 8h33
